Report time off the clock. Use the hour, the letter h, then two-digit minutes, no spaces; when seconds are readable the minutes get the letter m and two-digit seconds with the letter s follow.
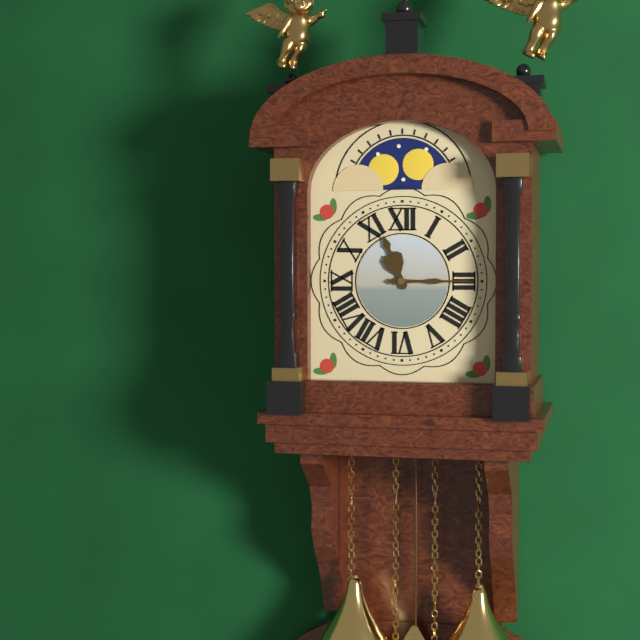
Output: 11h15
